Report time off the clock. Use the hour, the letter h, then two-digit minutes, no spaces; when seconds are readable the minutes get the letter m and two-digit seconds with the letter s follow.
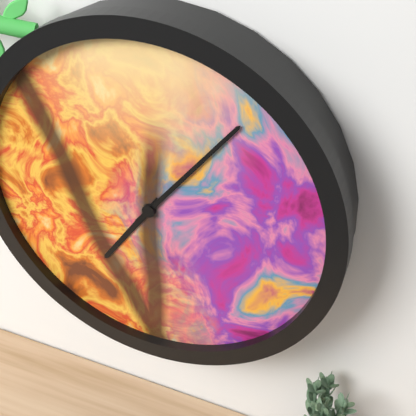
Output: 7h06
